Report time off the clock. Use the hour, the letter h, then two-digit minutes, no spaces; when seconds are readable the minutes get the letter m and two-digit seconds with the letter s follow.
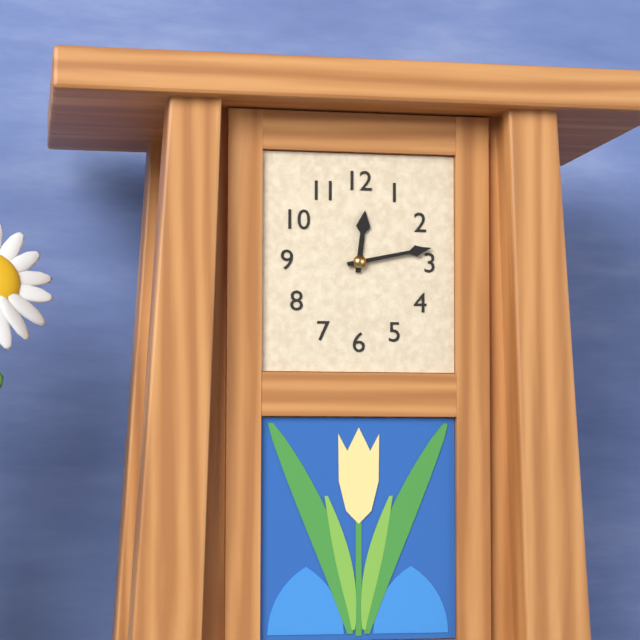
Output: 12h13
